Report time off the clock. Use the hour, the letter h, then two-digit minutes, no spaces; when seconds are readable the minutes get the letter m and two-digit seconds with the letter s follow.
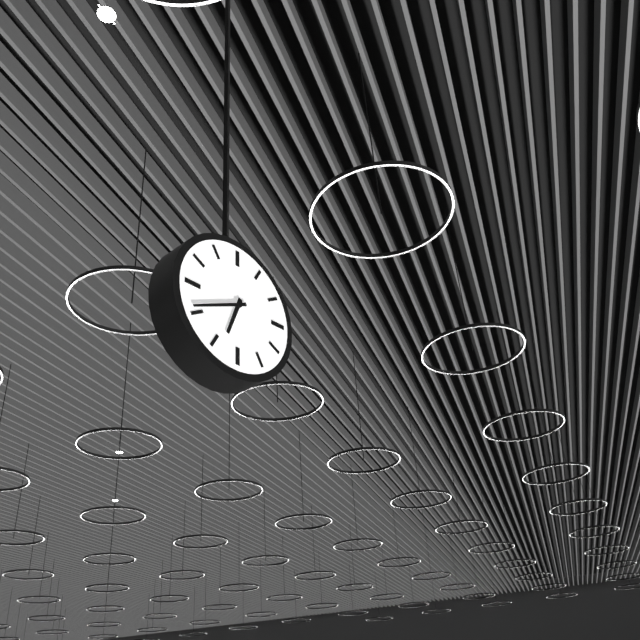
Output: 6h41
